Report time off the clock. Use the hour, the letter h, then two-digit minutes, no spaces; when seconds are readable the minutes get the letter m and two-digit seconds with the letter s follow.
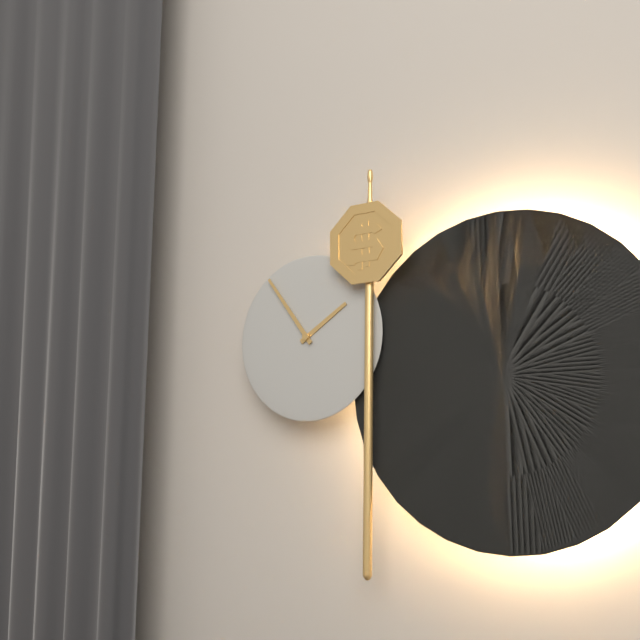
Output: 1h54
